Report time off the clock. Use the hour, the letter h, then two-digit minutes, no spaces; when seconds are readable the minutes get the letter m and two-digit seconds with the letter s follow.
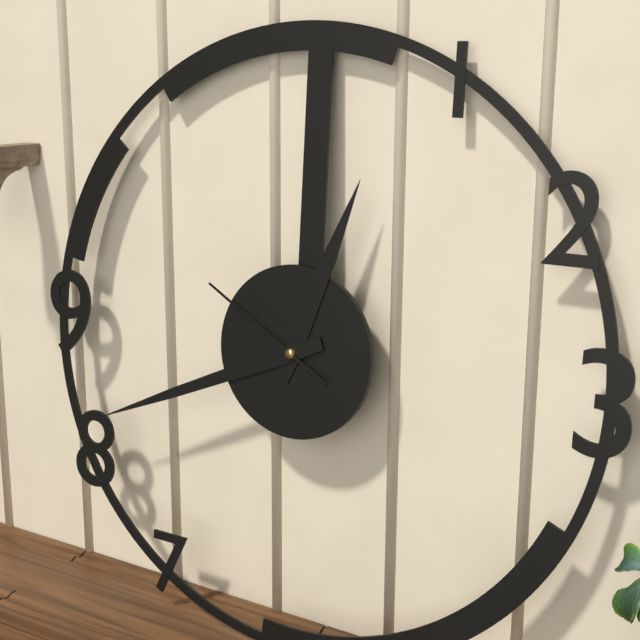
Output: 12h41m50s
